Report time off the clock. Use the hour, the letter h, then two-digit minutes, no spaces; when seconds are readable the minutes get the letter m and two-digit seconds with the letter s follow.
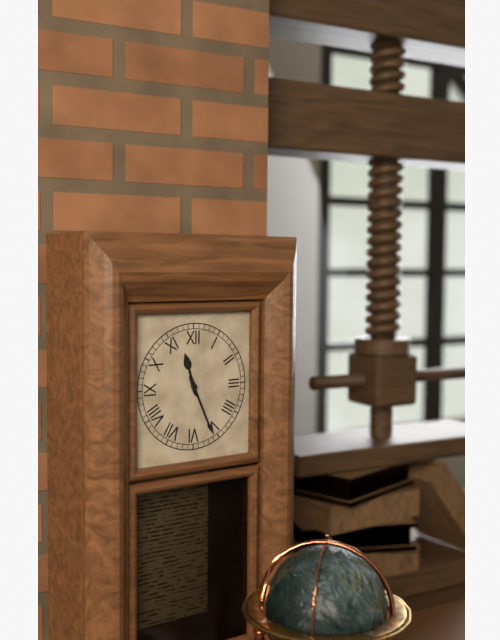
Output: 11h26
